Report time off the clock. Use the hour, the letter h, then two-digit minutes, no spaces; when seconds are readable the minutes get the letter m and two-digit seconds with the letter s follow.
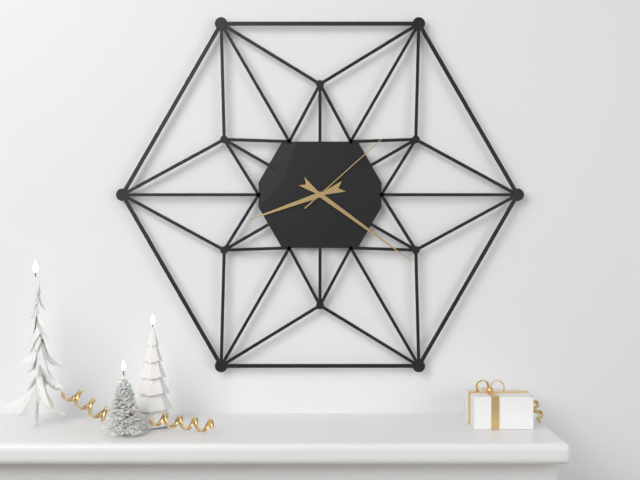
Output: 8h21m08s
